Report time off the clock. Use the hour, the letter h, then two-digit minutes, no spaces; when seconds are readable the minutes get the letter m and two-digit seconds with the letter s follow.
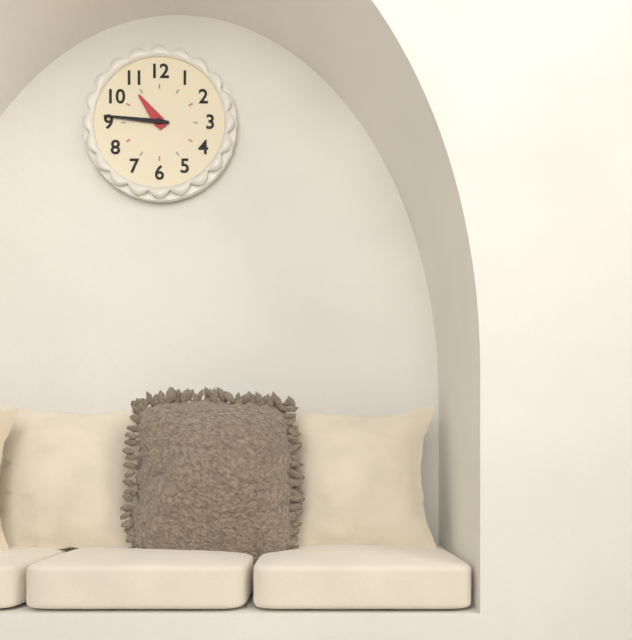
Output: 10h46
